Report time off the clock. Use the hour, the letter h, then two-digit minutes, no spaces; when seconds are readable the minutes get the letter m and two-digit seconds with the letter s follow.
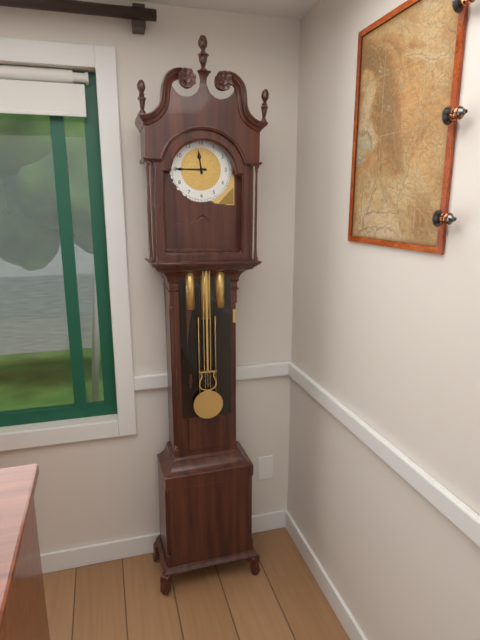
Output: 11h45
